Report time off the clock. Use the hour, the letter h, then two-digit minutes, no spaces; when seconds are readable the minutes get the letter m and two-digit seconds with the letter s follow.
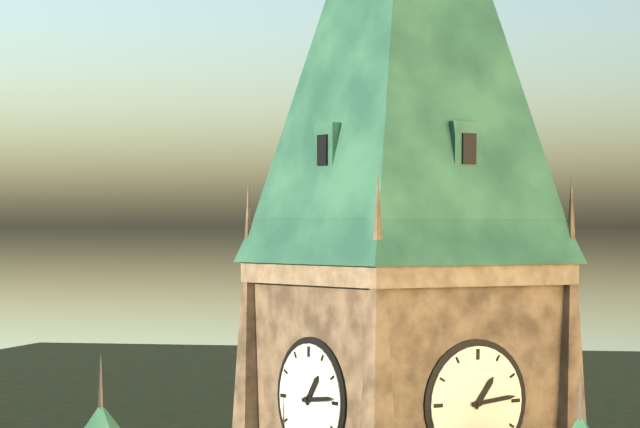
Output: 1h14
